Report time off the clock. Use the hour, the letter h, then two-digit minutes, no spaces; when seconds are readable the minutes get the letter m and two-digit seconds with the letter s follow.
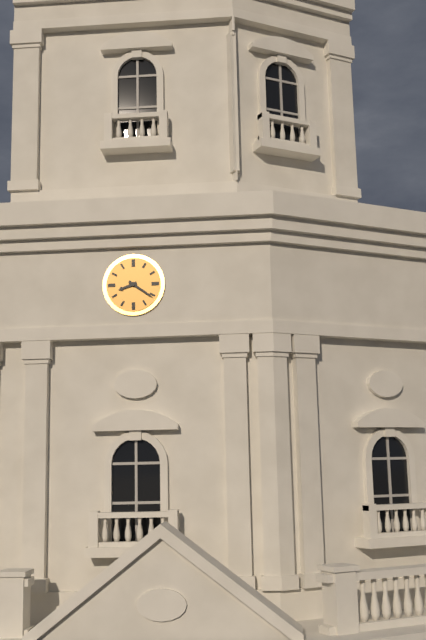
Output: 8h21
